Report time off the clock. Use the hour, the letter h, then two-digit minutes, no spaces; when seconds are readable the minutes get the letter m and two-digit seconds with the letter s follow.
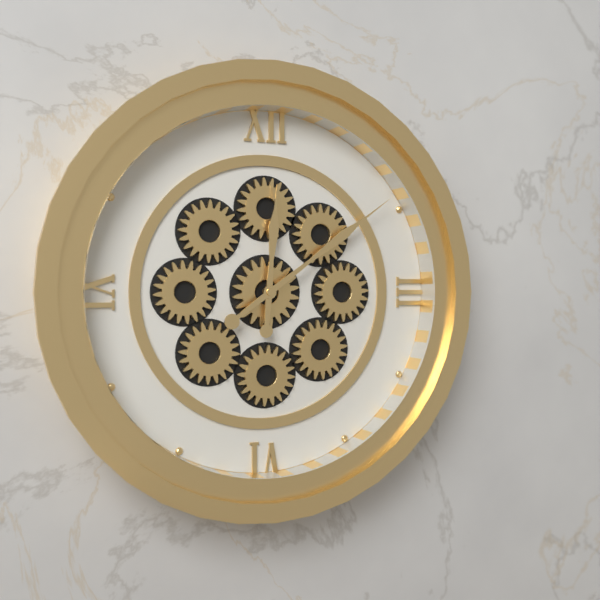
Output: 12h09
